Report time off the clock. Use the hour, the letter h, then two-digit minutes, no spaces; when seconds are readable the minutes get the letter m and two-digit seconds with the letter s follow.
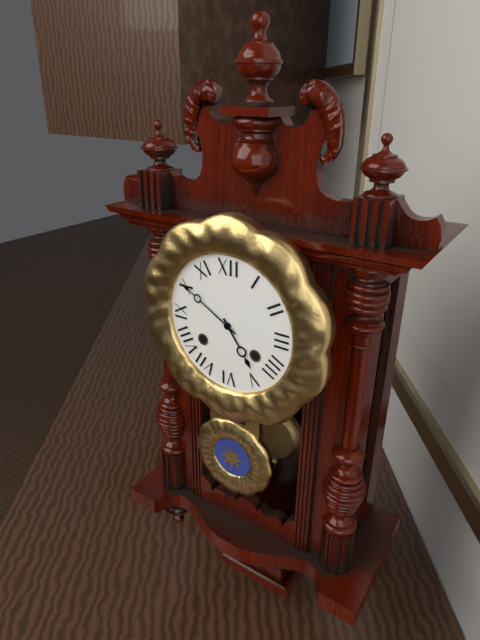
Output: 4h50
